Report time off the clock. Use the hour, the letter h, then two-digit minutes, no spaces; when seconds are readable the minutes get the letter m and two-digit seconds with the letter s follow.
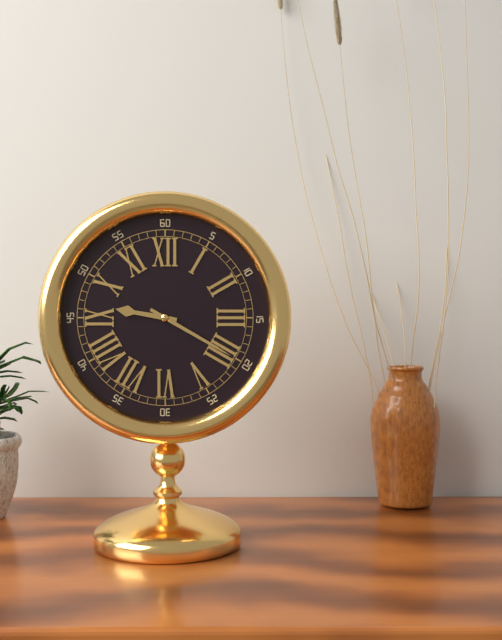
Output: 9h20
